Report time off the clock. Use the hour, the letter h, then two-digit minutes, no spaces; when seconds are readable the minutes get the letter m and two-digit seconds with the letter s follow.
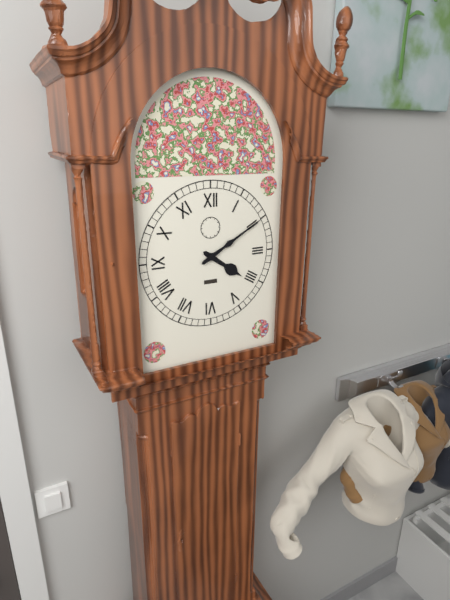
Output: 4h10
